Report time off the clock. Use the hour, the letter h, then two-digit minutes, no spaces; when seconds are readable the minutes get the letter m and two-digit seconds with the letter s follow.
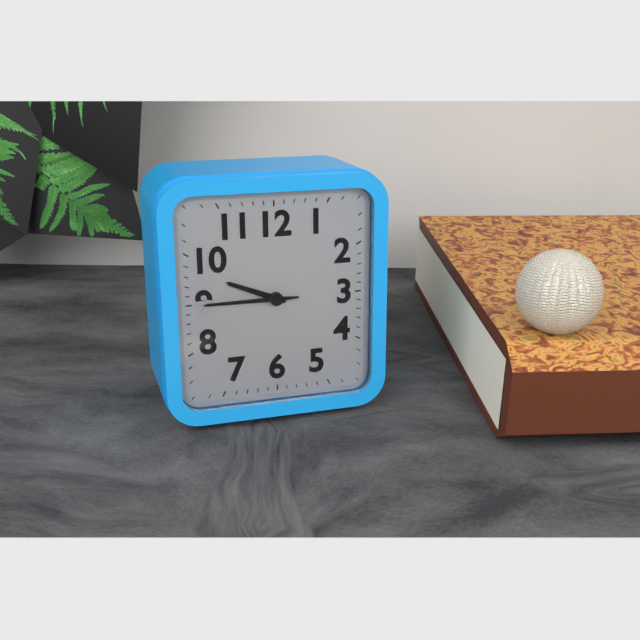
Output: 9h45
